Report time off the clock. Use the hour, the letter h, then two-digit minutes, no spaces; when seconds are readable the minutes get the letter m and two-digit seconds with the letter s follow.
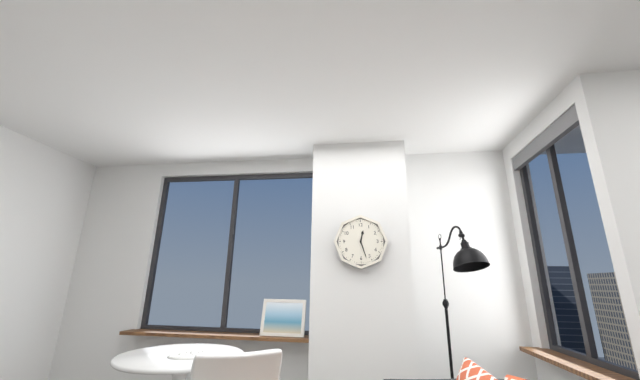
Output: 12h27
